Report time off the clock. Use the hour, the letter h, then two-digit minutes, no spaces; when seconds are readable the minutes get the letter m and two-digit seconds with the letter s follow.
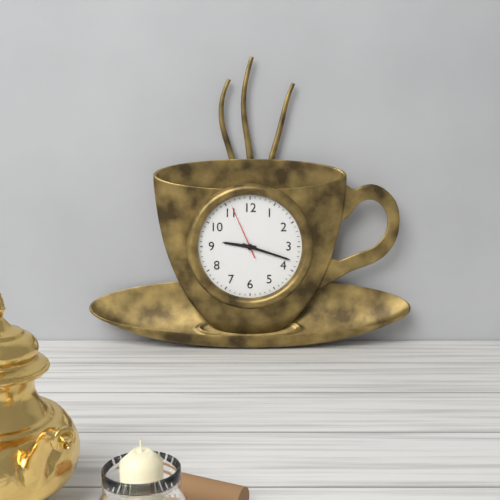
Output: 9h18m56s
